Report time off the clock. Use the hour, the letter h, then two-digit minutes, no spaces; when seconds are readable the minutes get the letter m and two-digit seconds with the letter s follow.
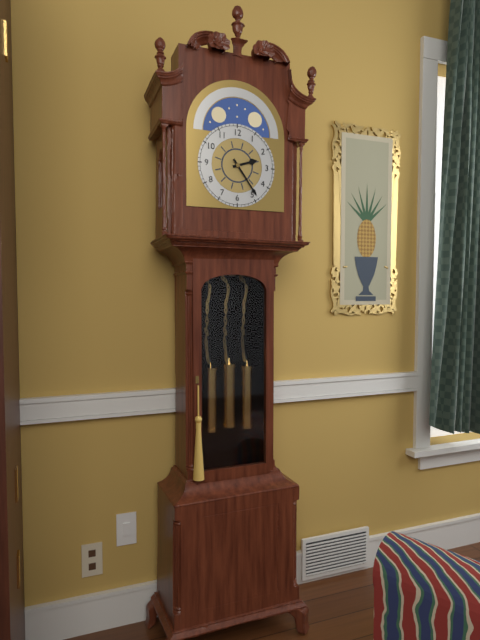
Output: 2h24
